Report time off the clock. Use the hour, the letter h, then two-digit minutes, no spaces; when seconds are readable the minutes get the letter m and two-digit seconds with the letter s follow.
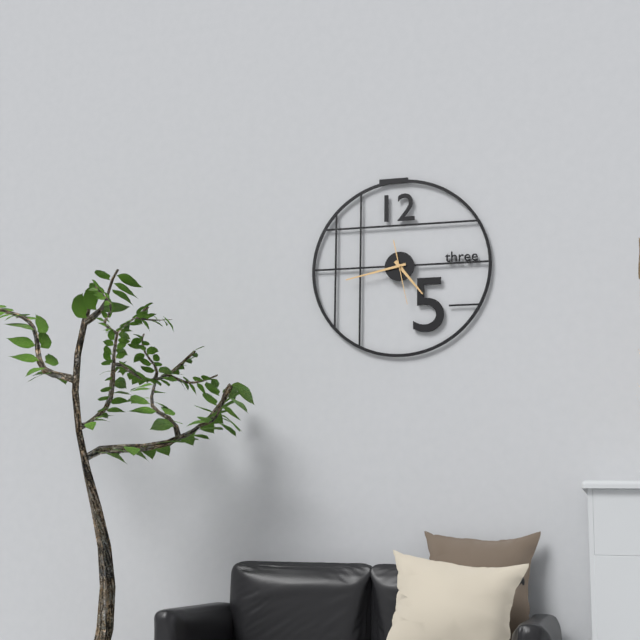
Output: 4h43
